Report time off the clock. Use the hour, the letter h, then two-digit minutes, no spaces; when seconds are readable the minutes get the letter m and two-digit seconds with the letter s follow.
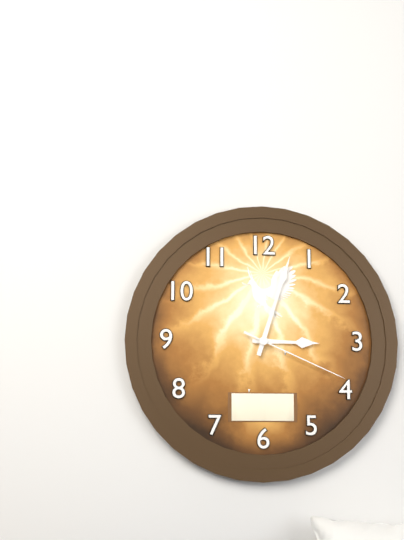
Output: 3h03m19s
